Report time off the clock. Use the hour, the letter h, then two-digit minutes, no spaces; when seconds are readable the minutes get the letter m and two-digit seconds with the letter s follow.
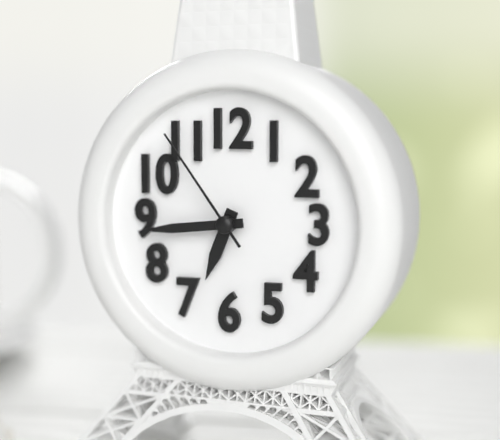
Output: 6h44m54s
